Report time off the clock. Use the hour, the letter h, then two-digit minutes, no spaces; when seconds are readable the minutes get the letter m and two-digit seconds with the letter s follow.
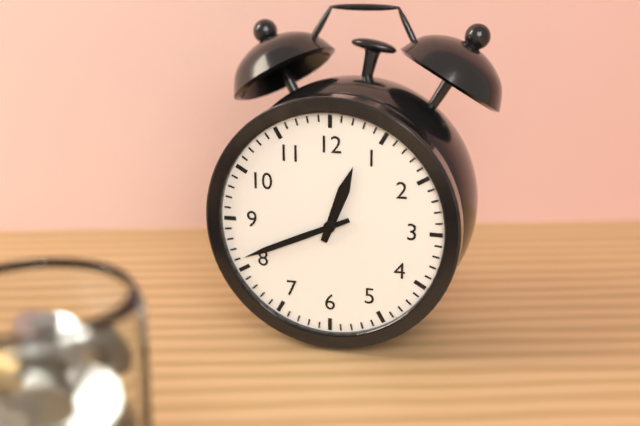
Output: 12h41
